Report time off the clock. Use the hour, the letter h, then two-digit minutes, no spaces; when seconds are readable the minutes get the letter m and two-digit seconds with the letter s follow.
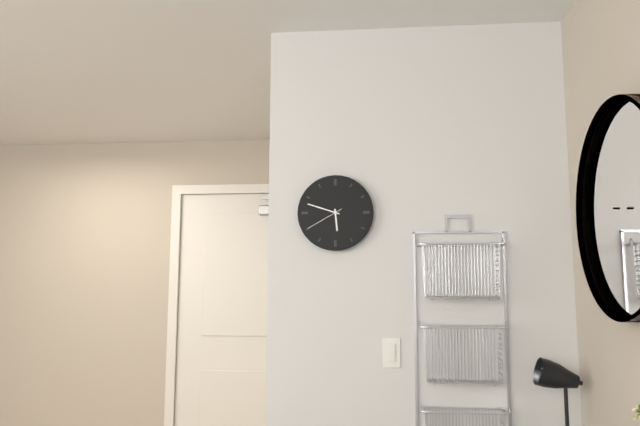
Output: 5h48
